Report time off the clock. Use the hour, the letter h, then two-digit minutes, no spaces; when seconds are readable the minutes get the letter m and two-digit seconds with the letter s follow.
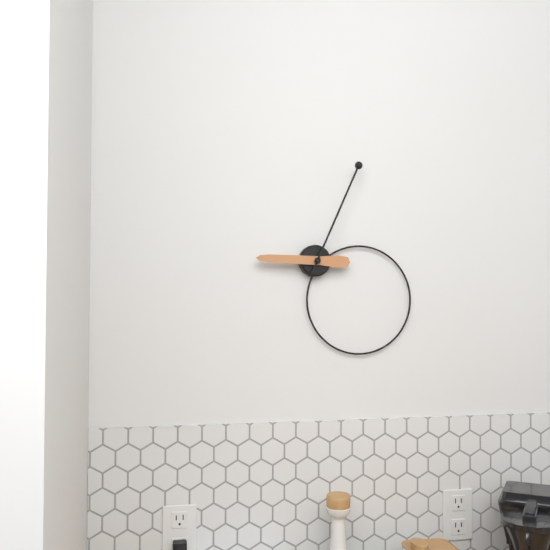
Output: 9h04
